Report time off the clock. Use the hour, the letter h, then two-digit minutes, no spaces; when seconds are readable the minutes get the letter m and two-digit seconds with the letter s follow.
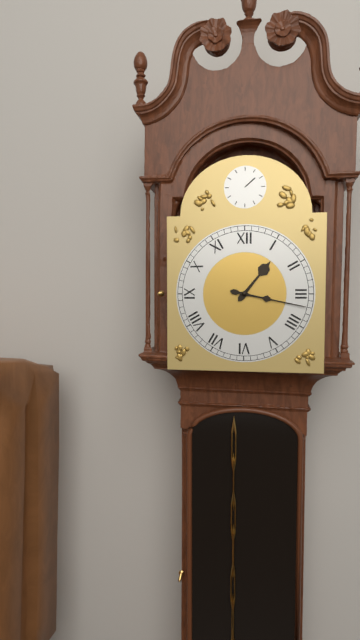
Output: 1h17
